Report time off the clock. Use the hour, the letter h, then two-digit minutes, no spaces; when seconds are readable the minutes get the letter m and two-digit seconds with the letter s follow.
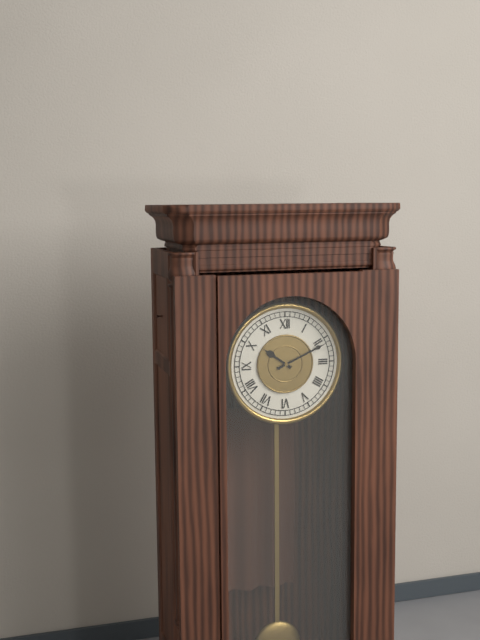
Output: 10h11
